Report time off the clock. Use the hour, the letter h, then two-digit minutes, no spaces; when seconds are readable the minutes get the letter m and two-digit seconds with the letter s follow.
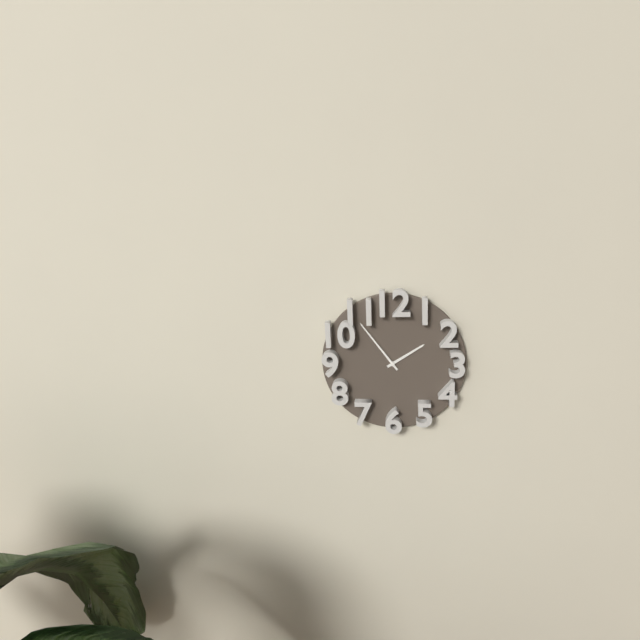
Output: 1h54
